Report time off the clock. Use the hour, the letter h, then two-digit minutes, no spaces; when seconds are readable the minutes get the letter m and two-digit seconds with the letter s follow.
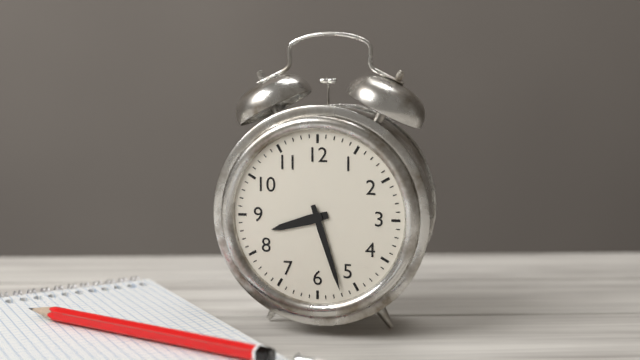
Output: 8h27
